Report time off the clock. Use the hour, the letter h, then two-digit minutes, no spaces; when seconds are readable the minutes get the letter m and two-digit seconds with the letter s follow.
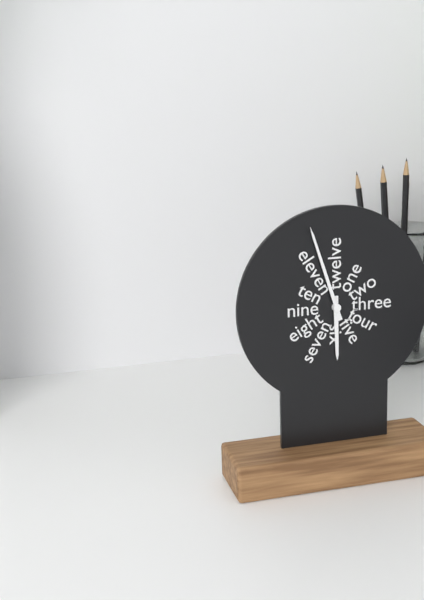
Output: 5h57
